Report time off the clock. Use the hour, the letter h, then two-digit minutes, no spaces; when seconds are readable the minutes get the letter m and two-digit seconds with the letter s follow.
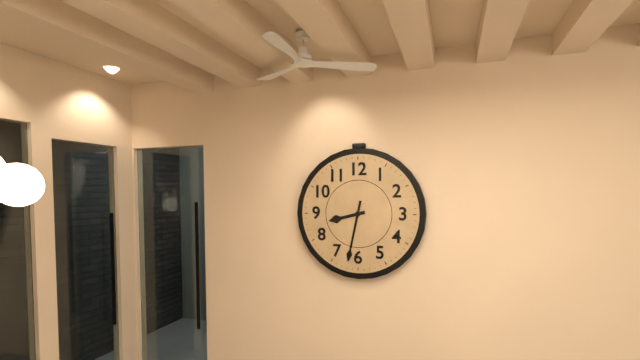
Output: 8h32
